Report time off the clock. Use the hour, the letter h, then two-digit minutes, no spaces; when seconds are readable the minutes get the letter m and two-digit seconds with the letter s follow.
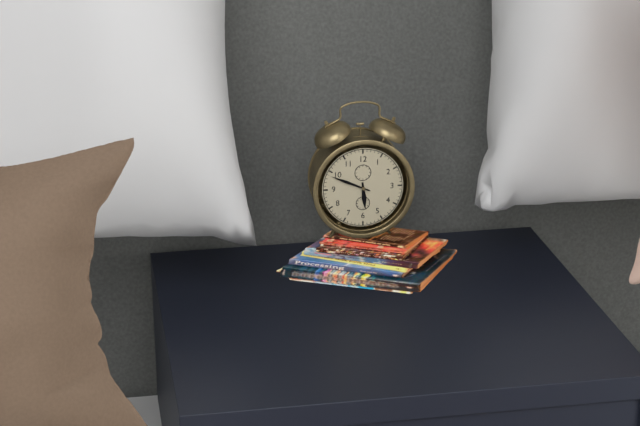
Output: 5h49
